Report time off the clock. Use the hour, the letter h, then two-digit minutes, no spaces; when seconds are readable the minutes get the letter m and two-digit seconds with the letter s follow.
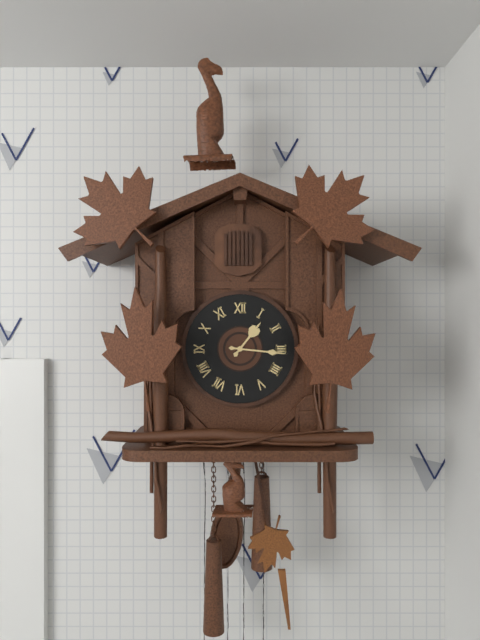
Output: 1h16
